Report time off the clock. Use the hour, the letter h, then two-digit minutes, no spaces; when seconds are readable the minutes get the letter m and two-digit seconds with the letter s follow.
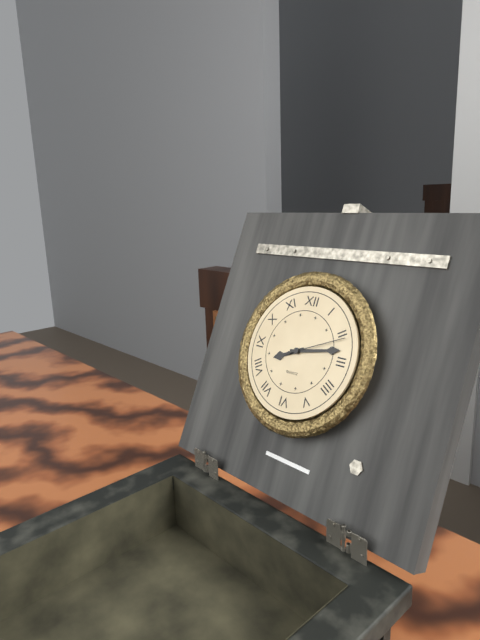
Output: 8h13m11s
